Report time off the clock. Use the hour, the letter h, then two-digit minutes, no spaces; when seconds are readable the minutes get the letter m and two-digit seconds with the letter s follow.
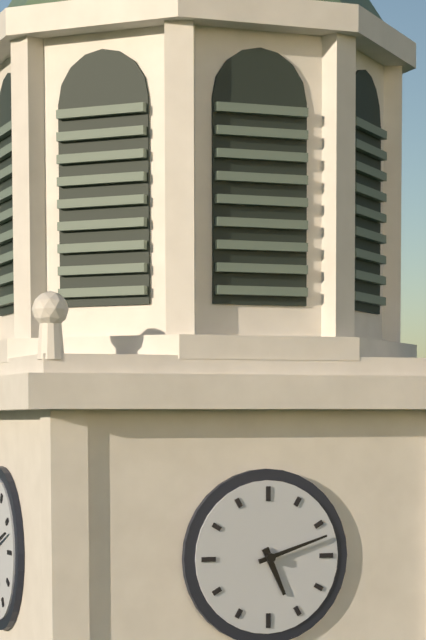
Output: 5h12
